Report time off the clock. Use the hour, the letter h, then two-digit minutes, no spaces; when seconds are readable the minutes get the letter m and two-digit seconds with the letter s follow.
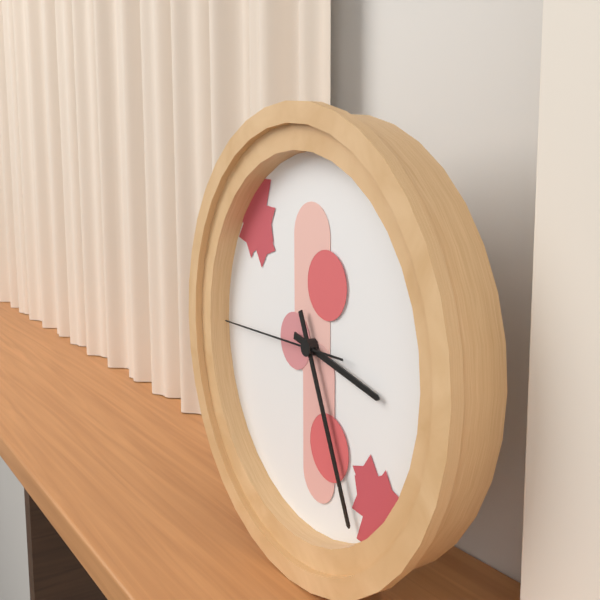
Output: 3h26m45s
